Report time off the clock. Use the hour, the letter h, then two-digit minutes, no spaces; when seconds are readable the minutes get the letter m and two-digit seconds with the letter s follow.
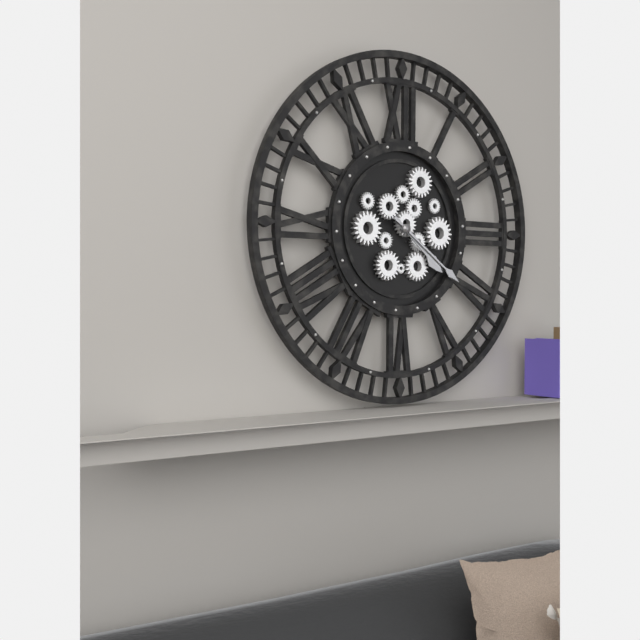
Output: 4h21
